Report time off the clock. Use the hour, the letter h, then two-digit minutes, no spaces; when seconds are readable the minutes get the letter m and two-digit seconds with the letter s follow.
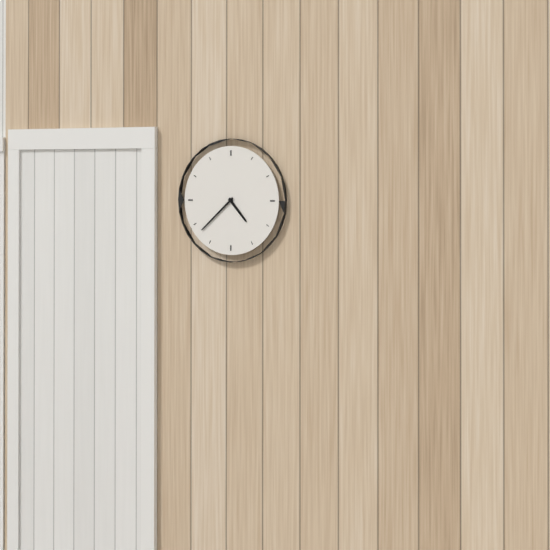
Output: 4h38
